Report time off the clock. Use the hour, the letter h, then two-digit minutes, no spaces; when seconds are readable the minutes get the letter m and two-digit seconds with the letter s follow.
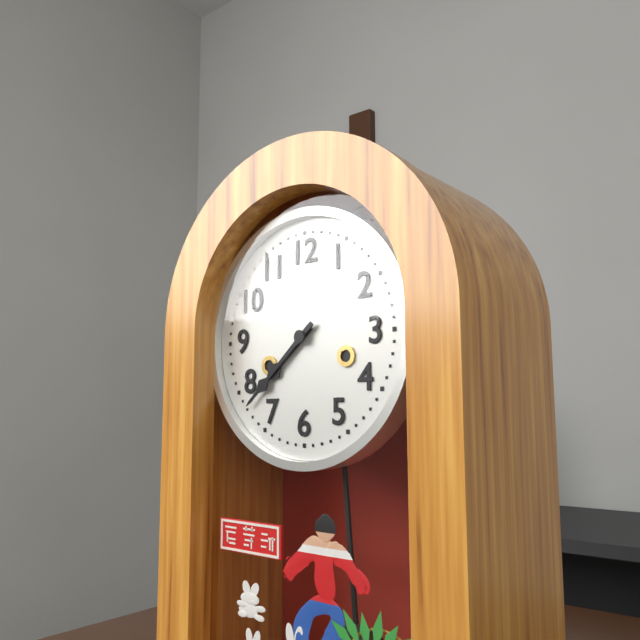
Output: 7h38
